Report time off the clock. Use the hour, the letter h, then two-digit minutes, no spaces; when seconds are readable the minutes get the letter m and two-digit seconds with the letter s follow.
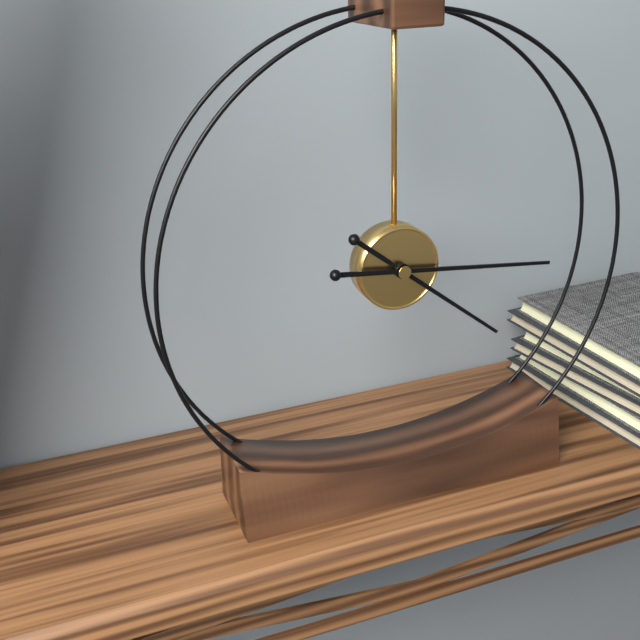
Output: 4h16
